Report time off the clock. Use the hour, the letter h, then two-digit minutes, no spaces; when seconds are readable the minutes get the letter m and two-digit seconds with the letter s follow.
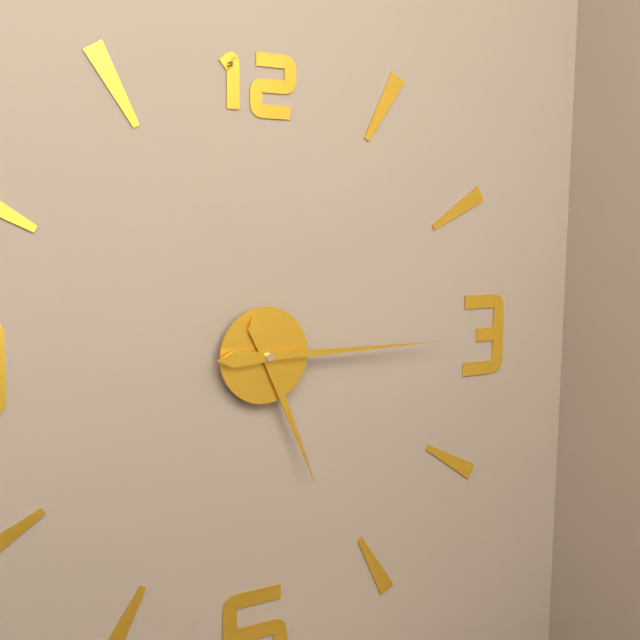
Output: 5h15
